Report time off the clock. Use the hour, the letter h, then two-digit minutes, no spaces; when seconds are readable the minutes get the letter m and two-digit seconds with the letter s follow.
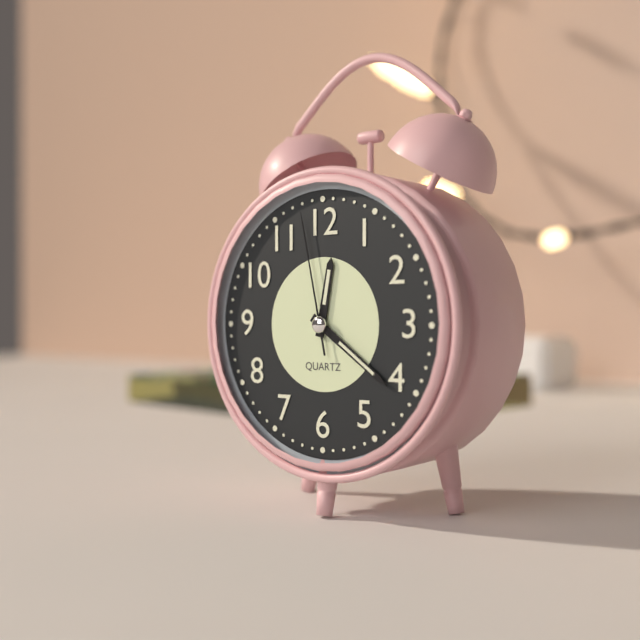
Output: 12h21m58s
